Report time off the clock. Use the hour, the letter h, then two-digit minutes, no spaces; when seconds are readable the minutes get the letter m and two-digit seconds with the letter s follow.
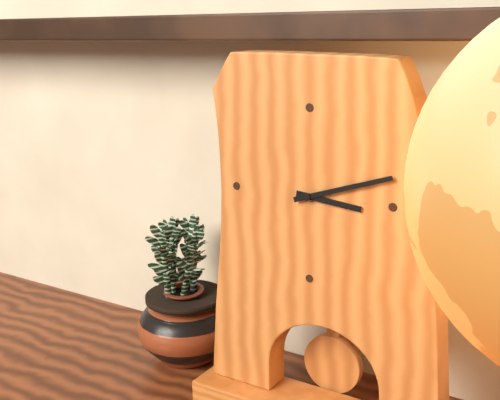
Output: 3h12
